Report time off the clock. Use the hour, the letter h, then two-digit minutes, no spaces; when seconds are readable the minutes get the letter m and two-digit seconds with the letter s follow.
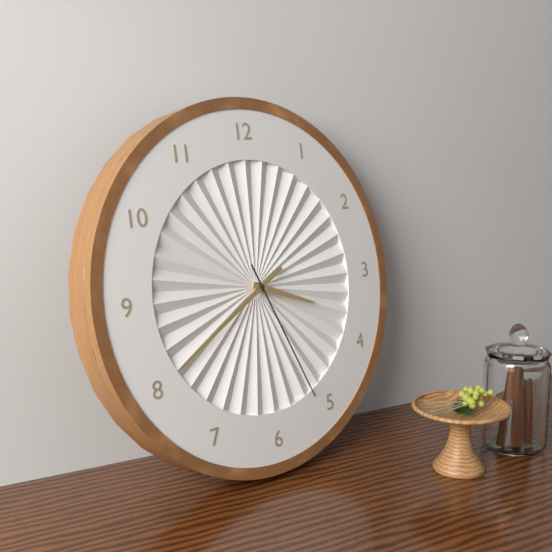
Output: 3h40m26s
